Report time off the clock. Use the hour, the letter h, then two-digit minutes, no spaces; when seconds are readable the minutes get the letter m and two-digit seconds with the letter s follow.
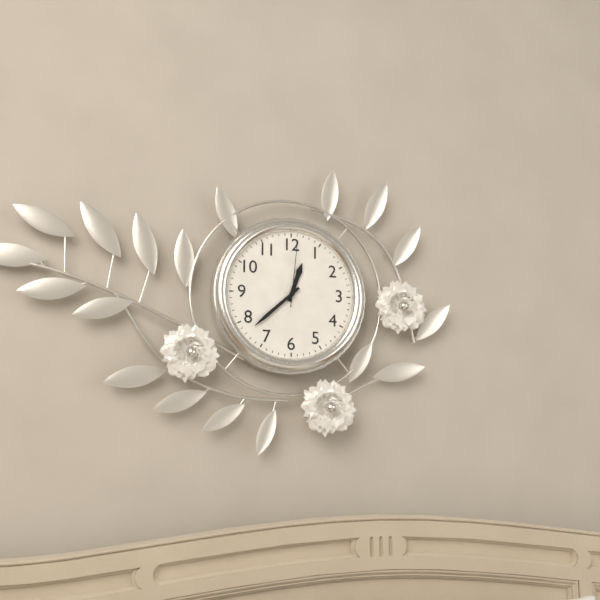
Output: 12h38m01s
